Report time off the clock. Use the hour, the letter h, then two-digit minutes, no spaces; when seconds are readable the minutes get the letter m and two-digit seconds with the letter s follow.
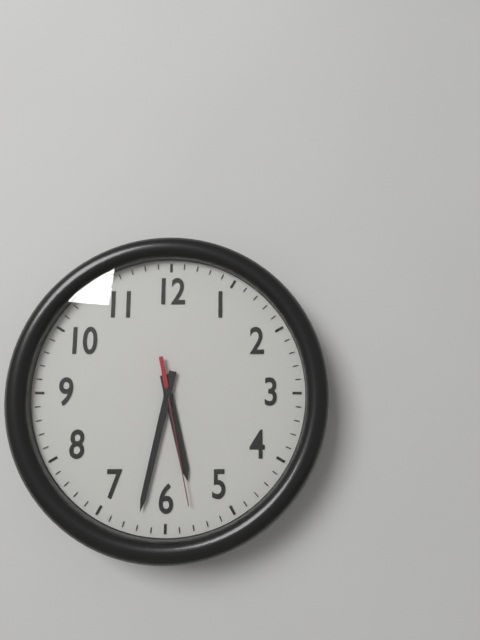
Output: 5h32m28s
